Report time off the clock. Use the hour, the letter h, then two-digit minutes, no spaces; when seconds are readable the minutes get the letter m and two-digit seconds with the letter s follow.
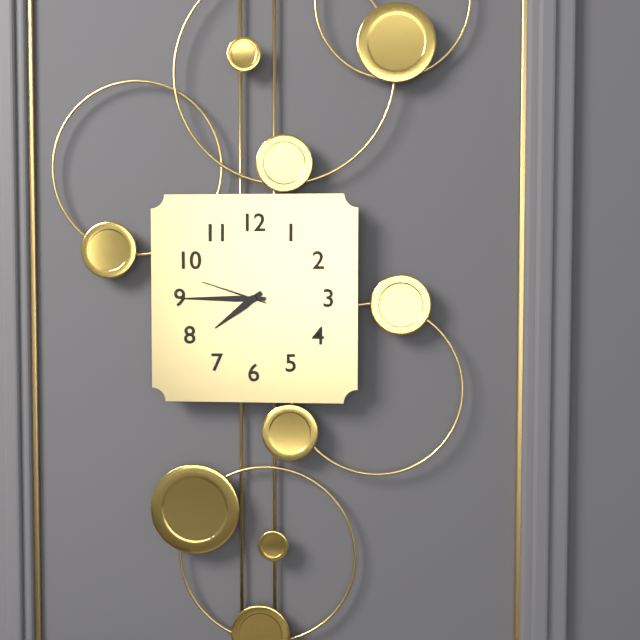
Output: 7h45m48s
